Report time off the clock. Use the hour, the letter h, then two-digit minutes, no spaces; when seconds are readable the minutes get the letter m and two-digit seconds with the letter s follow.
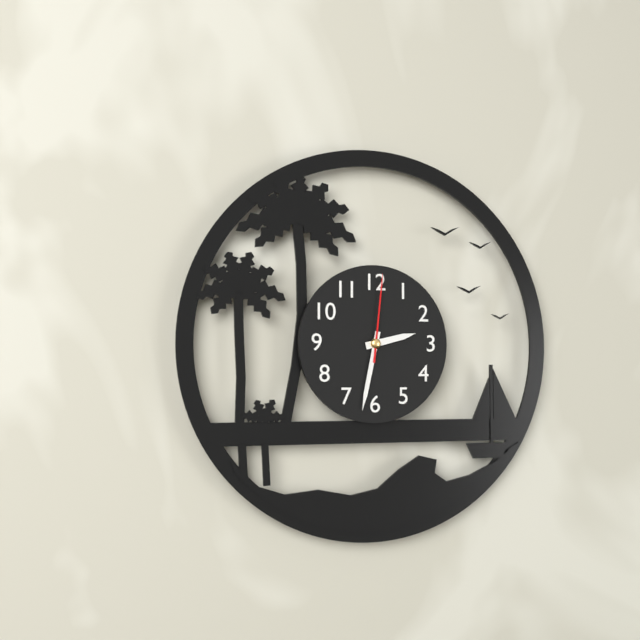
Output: 2h32m01s
